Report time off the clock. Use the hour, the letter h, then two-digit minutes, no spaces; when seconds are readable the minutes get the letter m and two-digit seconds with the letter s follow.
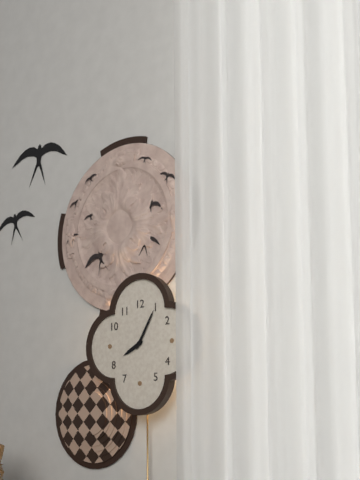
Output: 8h05
